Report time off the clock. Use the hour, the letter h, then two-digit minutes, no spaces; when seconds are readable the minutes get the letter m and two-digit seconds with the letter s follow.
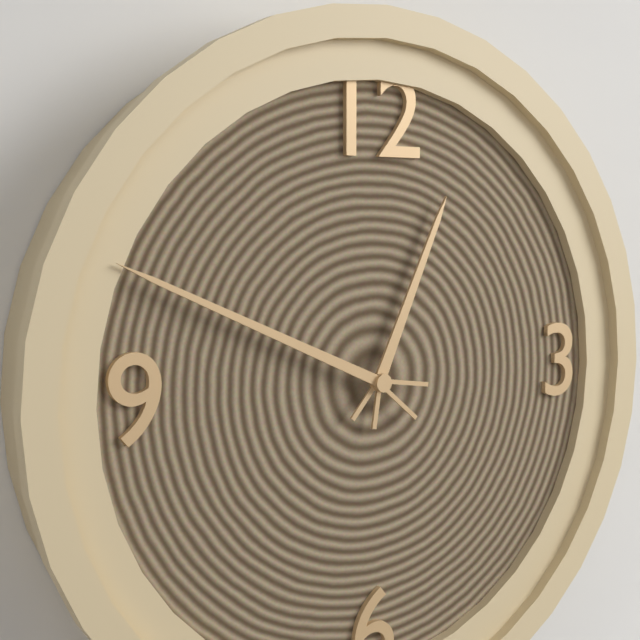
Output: 12h49
